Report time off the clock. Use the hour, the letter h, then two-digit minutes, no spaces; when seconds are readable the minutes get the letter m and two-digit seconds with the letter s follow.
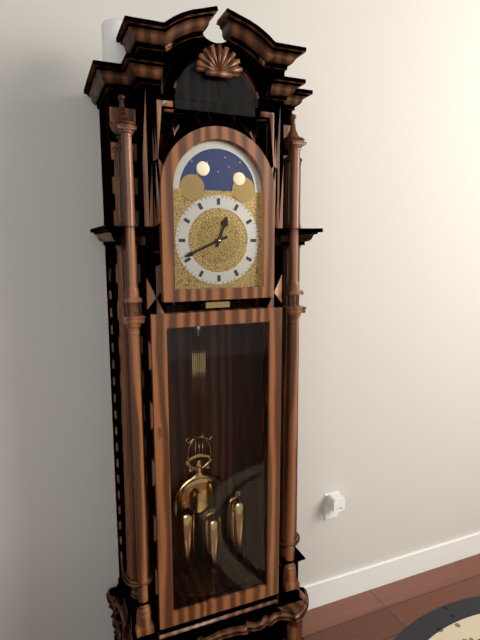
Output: 12h41
